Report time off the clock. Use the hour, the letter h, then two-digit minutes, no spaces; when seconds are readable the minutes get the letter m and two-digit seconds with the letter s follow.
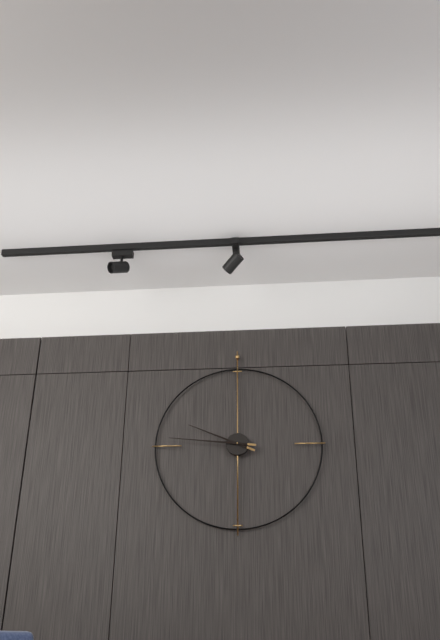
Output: 9h46
